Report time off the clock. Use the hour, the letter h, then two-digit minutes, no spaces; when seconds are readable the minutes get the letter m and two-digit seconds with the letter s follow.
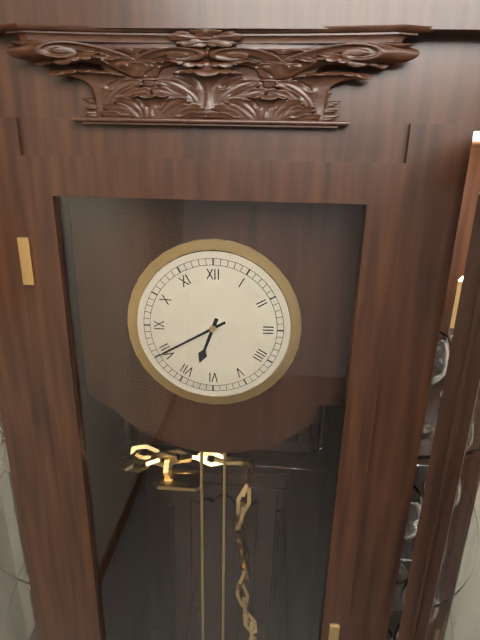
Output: 6h40
